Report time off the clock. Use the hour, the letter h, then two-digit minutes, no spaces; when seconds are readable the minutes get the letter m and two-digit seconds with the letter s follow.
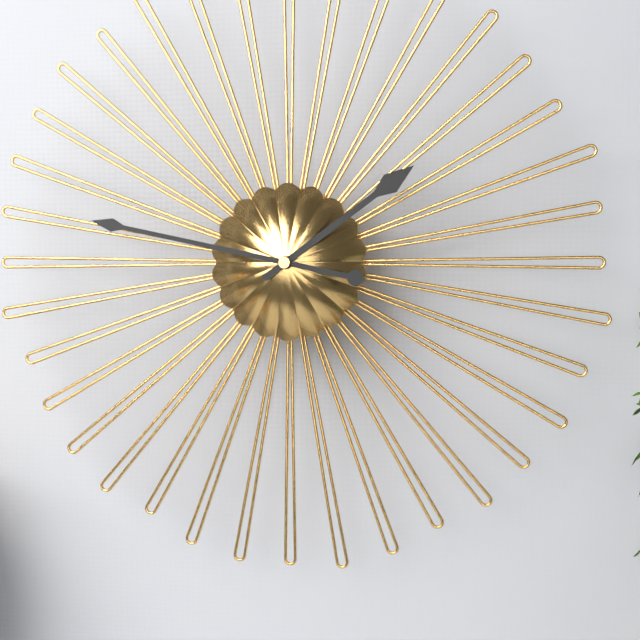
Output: 1h47
